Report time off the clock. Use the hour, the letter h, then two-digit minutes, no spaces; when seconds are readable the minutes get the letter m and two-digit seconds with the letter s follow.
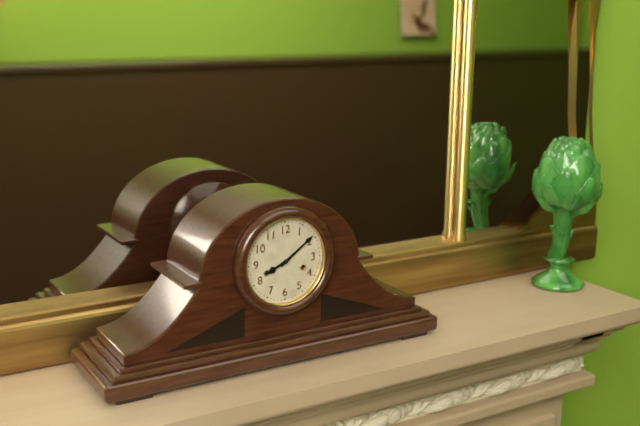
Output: 8h09
